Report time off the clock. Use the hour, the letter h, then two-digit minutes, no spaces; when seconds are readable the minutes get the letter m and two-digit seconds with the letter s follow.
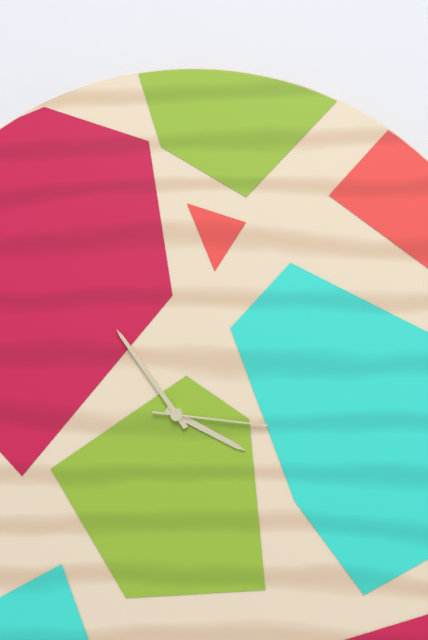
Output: 3h54m16s
